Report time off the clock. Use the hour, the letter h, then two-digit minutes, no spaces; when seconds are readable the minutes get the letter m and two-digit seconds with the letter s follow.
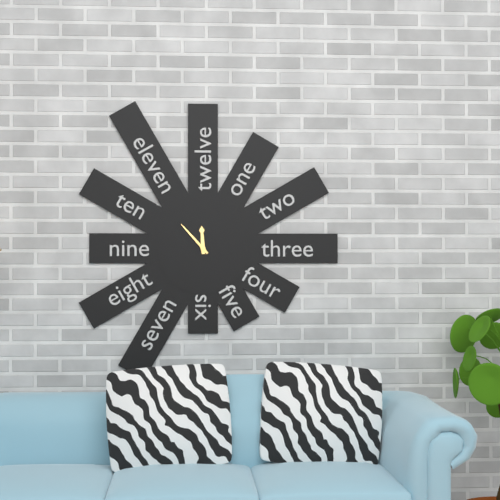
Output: 11h53
